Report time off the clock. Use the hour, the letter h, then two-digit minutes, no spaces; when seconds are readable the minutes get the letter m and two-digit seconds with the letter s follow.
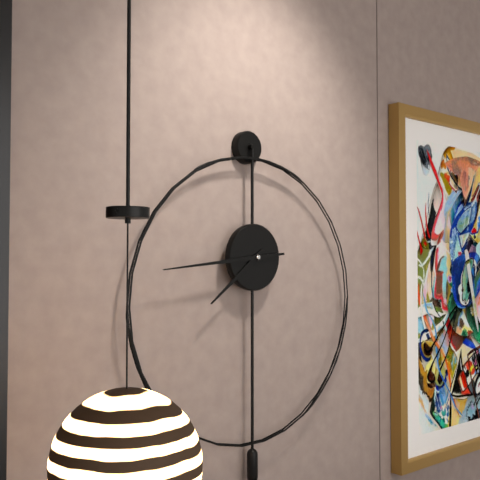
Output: 7h44
